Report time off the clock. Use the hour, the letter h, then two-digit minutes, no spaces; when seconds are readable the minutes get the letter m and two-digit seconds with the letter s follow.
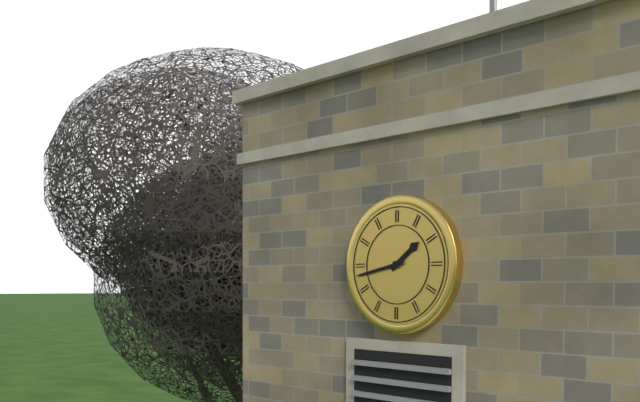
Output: 1h43
